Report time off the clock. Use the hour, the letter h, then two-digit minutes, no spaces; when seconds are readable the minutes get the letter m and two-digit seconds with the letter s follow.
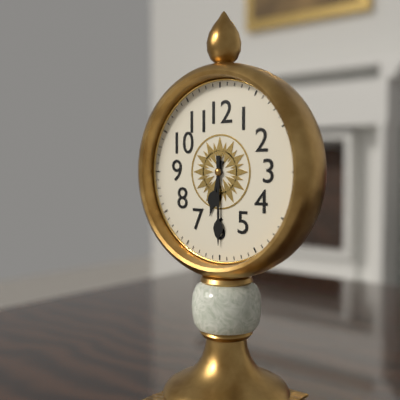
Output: 6h30
